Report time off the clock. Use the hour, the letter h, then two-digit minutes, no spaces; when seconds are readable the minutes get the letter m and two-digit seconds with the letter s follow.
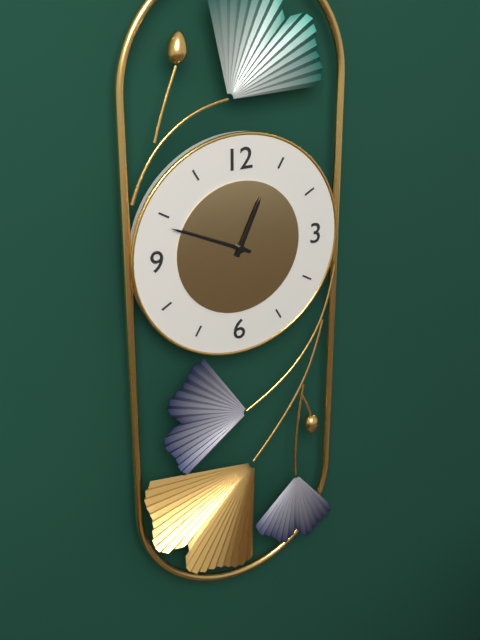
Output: 12h49
